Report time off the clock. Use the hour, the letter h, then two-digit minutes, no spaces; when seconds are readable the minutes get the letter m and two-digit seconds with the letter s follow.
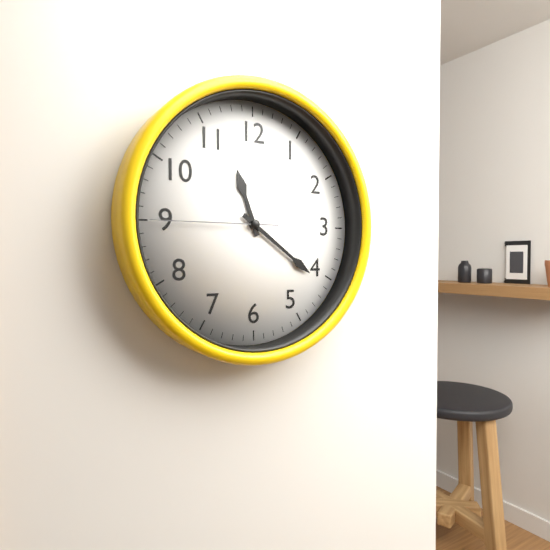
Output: 11h21m45s
